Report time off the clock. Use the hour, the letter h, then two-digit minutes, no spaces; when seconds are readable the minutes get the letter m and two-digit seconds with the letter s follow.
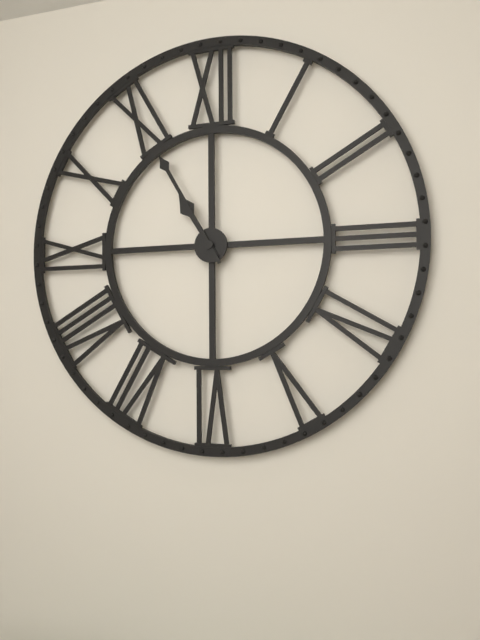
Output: 10h55
